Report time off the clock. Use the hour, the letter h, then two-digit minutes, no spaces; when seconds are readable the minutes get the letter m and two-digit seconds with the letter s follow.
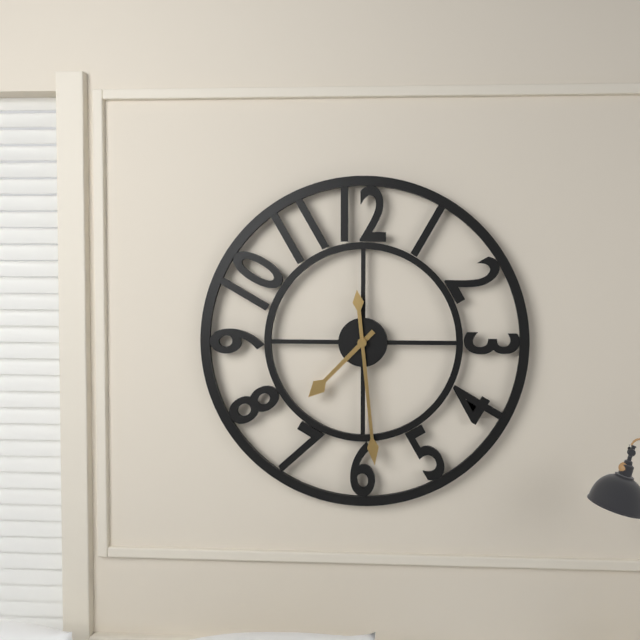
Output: 7h29
